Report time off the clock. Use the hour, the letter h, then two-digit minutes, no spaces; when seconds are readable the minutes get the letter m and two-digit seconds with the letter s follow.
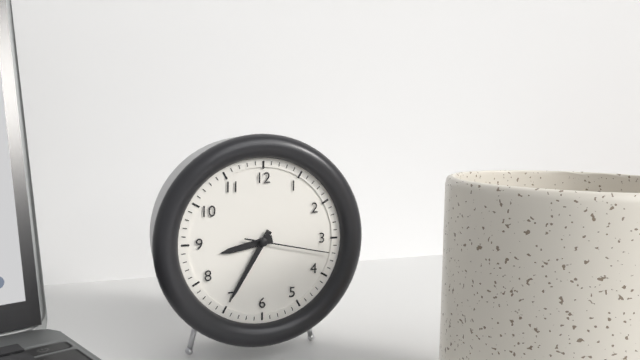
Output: 8h35m17s
